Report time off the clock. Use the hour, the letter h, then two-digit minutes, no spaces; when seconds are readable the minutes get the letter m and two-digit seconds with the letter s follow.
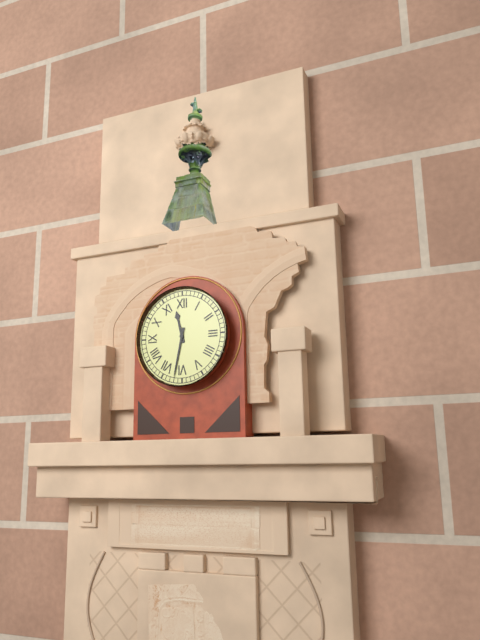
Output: 11h32
